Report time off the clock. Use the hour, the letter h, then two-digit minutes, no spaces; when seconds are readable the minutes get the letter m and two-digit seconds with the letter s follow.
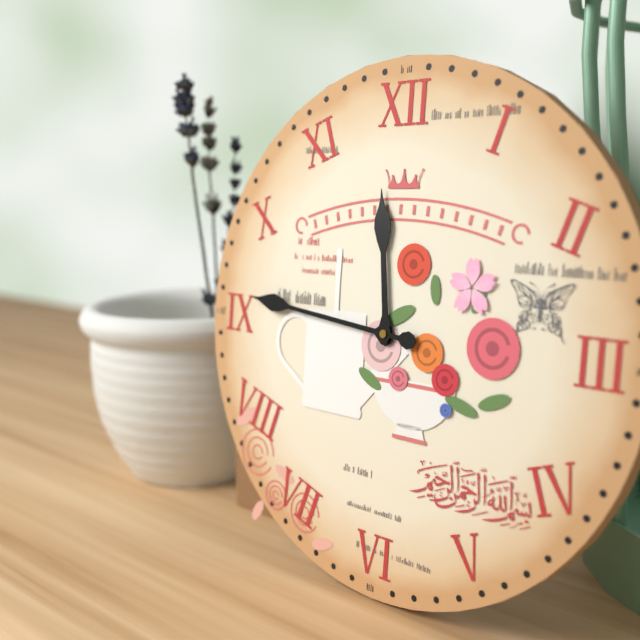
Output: 11h46
